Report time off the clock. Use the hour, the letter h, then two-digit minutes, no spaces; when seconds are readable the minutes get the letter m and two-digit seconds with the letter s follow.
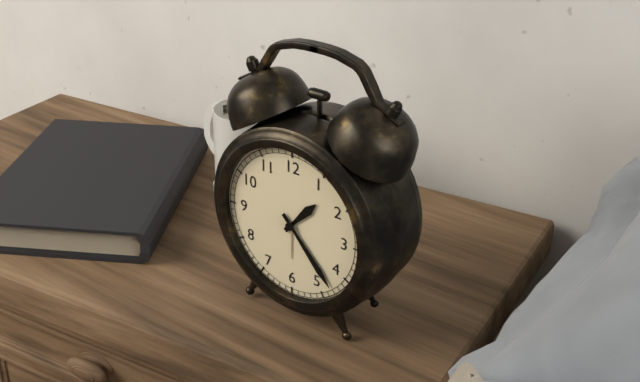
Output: 1h23
